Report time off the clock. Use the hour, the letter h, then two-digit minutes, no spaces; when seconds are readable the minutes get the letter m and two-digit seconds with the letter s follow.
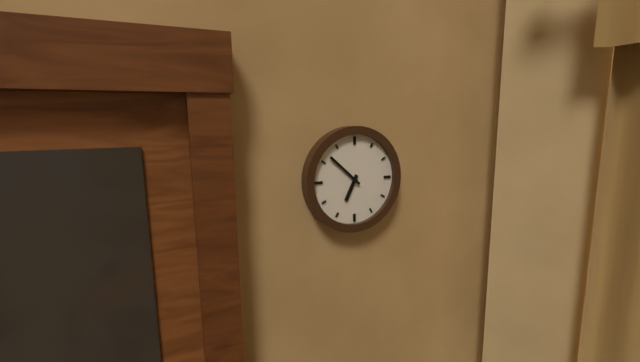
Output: 6h52
